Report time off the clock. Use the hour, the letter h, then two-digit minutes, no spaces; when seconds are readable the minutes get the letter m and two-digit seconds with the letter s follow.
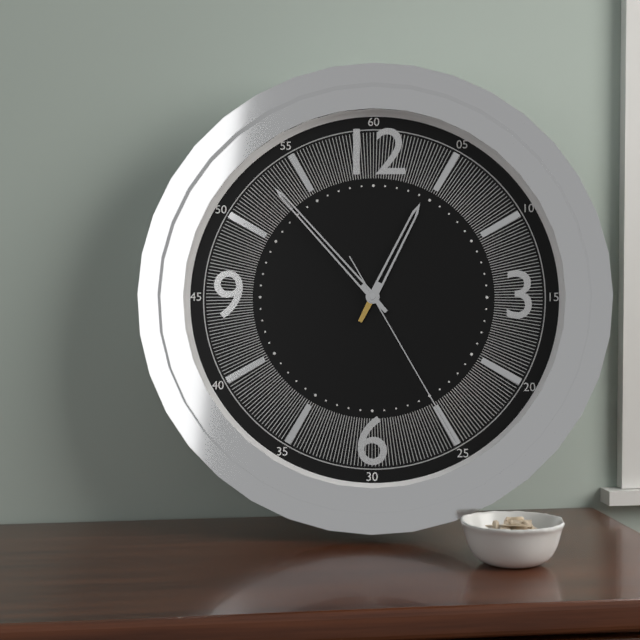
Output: 12h53m25s
